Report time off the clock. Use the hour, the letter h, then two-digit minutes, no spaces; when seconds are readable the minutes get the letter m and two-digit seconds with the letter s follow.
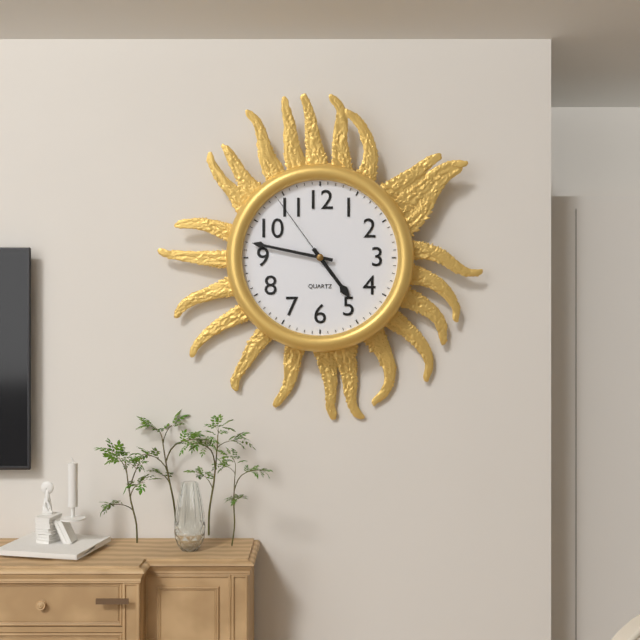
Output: 4h47m54s
